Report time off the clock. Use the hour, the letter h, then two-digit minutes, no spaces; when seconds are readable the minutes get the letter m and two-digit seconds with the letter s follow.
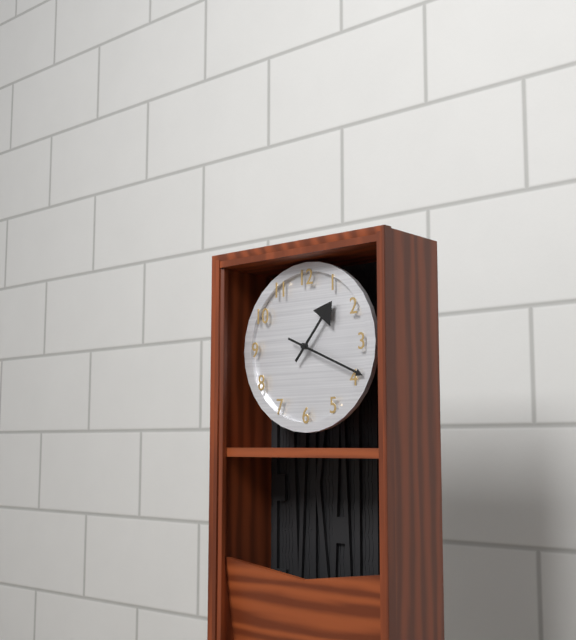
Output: 1h19
